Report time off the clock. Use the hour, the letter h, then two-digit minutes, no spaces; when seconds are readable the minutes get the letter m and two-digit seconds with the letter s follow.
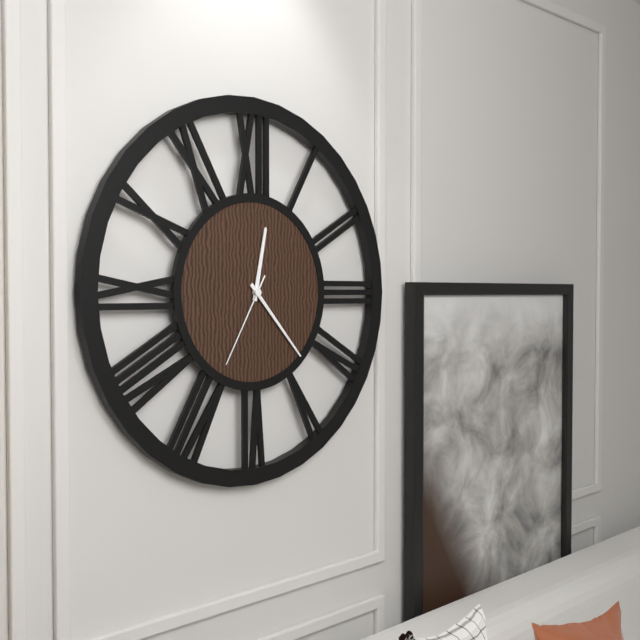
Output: 12h23m35s
